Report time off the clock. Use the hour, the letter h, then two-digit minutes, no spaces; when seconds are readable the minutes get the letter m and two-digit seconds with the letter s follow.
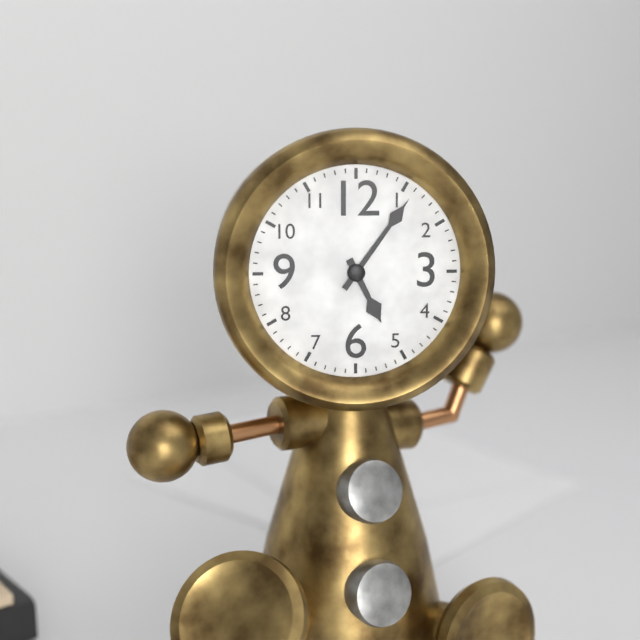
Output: 5h06
